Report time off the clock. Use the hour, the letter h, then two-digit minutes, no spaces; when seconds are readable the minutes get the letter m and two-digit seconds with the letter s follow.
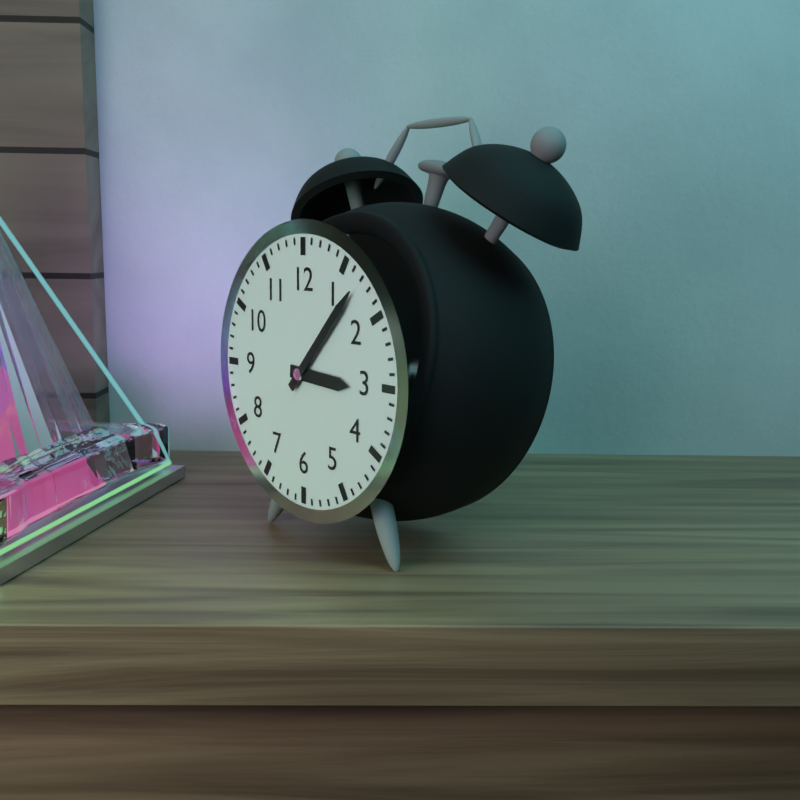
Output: 3h07
